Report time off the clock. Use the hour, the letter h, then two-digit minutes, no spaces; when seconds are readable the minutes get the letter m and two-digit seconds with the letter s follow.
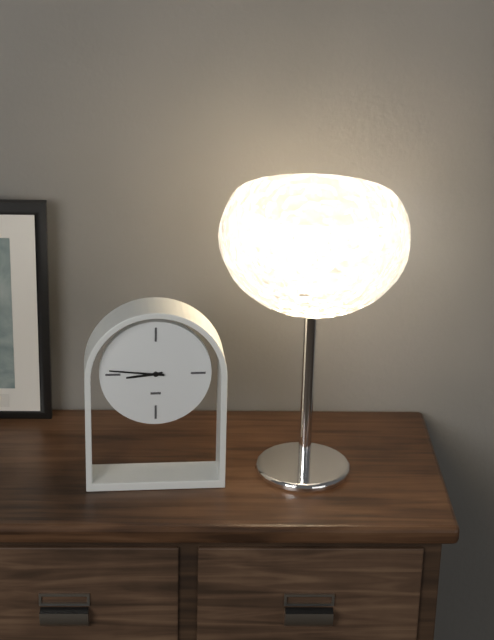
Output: 8h46
